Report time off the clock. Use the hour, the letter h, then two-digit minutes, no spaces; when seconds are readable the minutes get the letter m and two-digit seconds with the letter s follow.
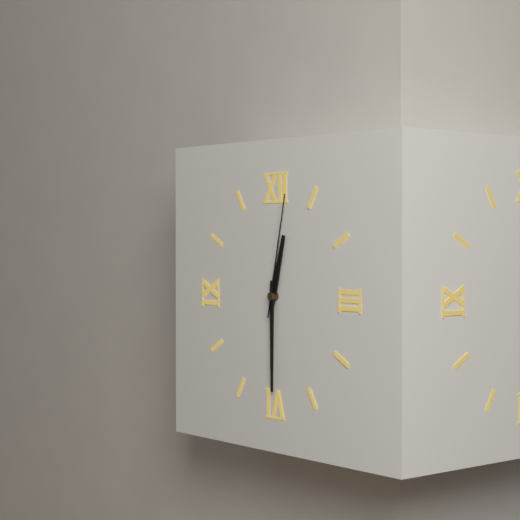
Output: 12h30m02s
